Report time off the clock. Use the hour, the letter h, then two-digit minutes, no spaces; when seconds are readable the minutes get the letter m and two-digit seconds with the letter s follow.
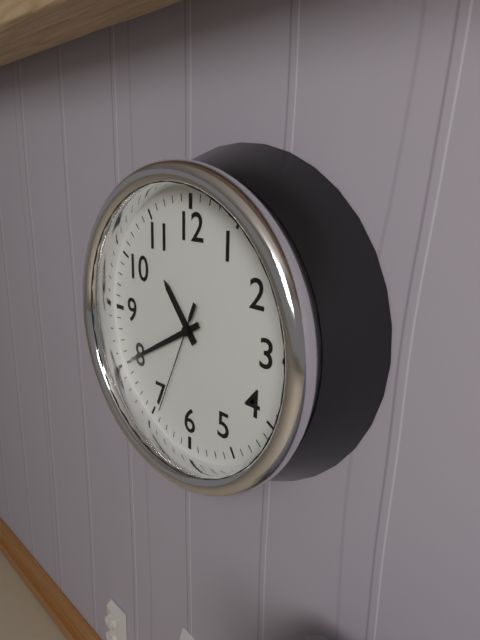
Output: 10h40m34s
